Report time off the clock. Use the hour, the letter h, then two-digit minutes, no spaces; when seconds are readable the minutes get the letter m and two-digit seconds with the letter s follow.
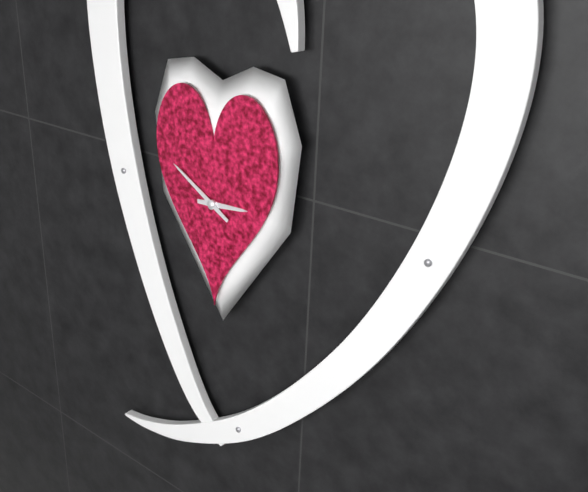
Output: 2h50
